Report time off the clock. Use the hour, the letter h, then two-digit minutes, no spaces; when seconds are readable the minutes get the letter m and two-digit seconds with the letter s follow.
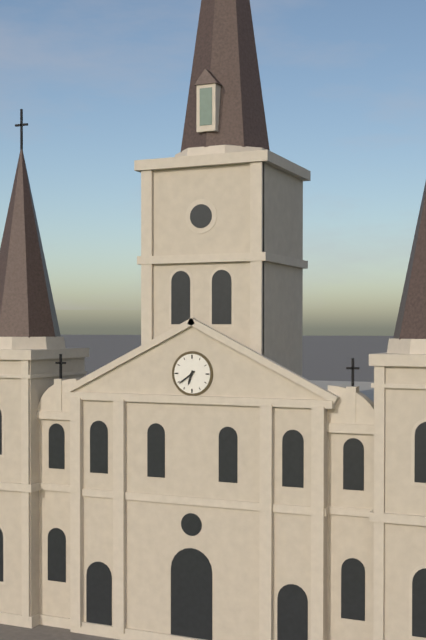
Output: 6h39
